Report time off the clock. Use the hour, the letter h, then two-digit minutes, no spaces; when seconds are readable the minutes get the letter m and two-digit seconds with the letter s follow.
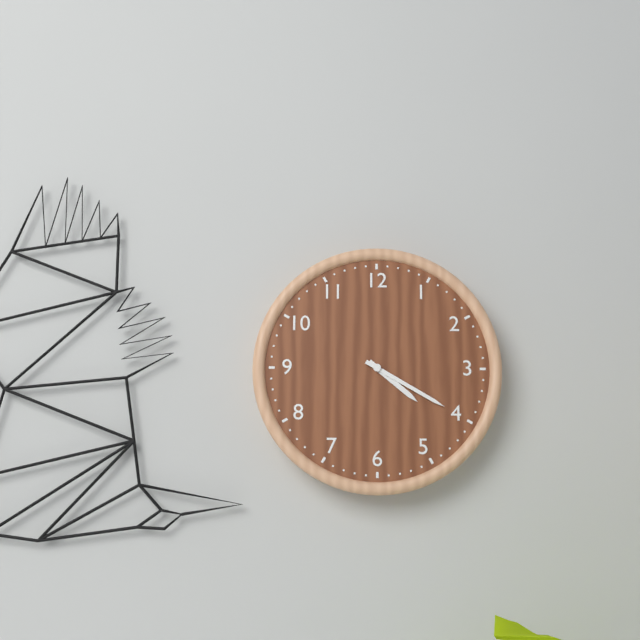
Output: 4h20
